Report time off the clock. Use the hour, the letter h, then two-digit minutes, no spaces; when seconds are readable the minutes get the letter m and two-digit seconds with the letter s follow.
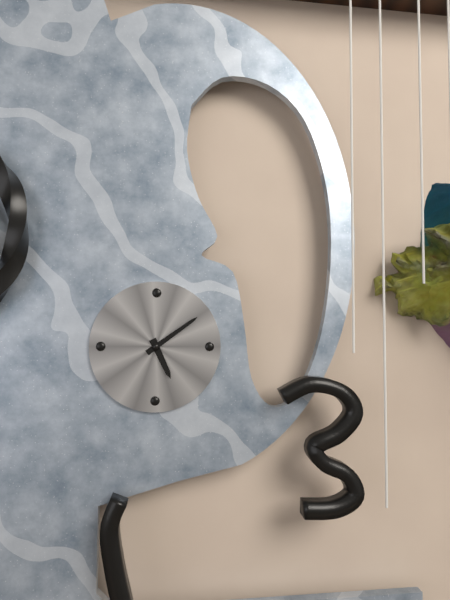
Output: 5h09
